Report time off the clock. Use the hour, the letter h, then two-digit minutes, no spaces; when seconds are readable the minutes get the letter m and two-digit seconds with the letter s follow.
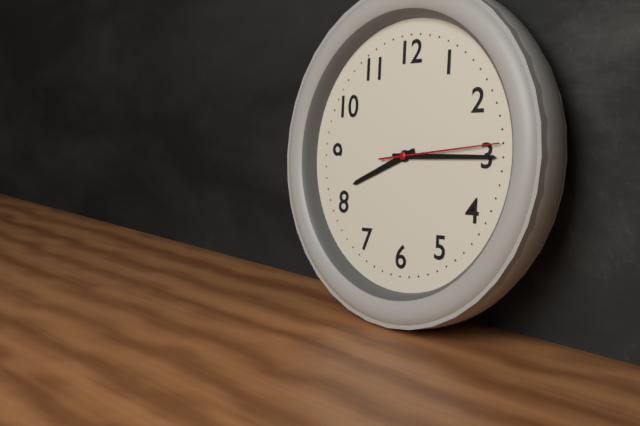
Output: 8h15m14s
